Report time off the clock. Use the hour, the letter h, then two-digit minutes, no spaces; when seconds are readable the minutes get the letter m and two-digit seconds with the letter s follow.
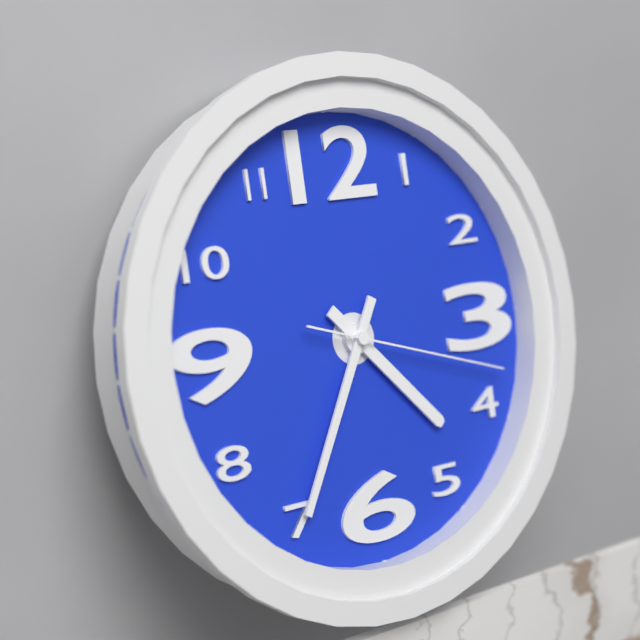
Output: 4h35m18s
